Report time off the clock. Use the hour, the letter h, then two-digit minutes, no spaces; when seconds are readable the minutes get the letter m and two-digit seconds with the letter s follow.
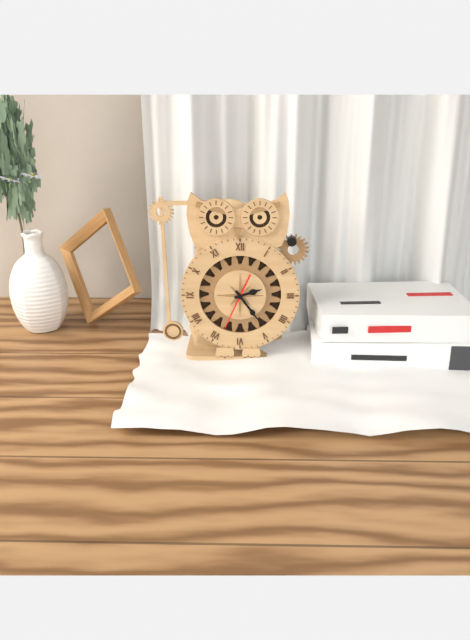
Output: 2h24m34s
